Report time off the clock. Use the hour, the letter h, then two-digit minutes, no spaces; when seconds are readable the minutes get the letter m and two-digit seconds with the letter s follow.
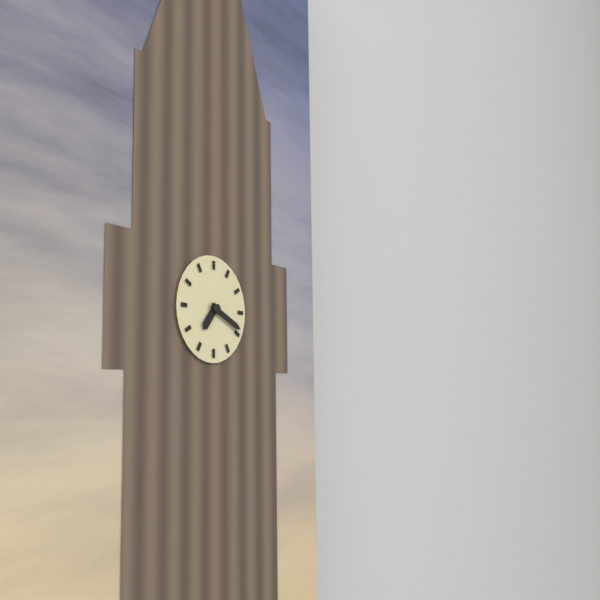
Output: 7h19
